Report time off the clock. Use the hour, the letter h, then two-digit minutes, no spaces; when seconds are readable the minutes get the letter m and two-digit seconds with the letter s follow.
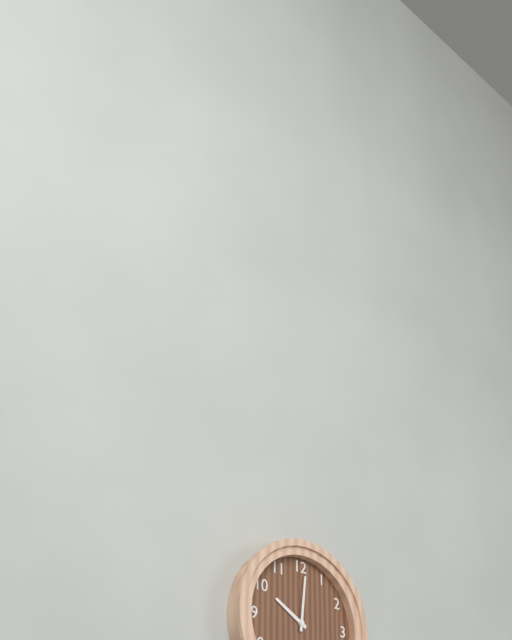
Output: 10h01
